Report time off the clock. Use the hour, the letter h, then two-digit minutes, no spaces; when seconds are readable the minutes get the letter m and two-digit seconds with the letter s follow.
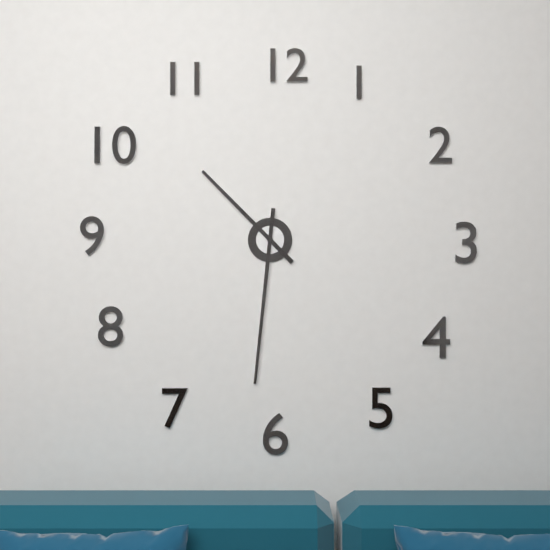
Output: 10h31
